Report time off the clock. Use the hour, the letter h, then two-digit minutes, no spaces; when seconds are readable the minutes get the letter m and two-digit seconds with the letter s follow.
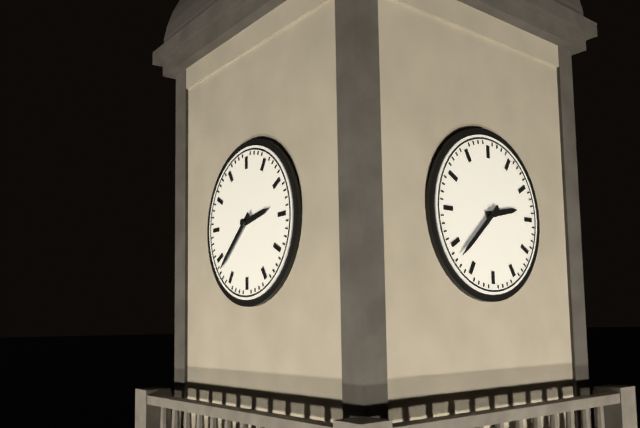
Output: 2h38
